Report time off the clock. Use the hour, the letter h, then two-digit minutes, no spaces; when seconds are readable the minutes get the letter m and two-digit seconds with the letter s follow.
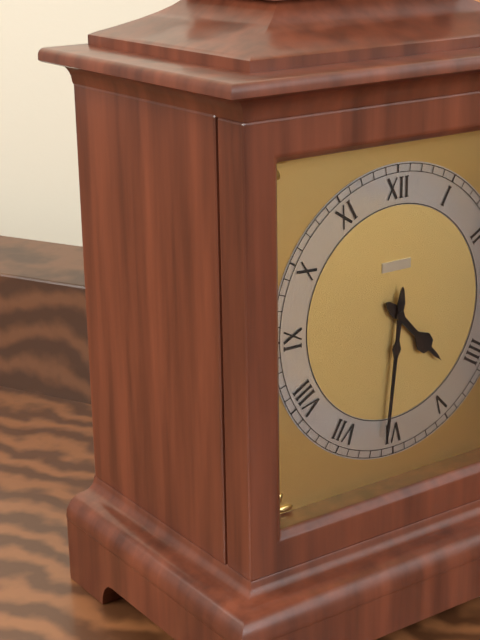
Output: 4h31
